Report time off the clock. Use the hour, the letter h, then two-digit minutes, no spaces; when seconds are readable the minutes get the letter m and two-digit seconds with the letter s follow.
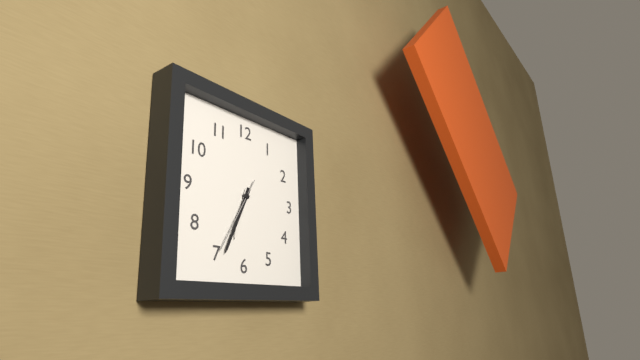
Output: 6h34m35s
